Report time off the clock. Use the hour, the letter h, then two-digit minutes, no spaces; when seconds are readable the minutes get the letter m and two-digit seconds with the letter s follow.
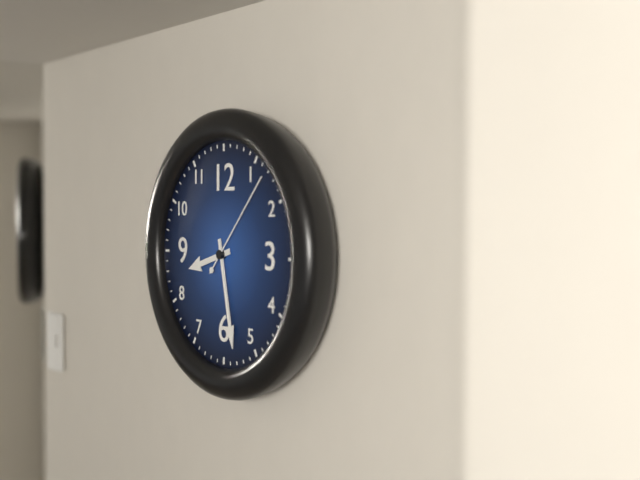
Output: 8h28m07s
